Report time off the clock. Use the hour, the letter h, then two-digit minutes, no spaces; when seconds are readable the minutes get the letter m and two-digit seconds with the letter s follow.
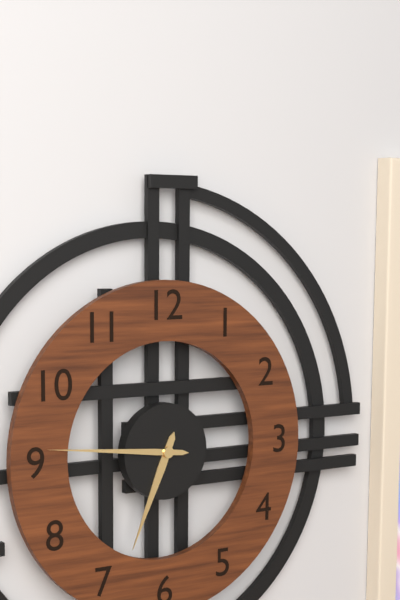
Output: 6h46
